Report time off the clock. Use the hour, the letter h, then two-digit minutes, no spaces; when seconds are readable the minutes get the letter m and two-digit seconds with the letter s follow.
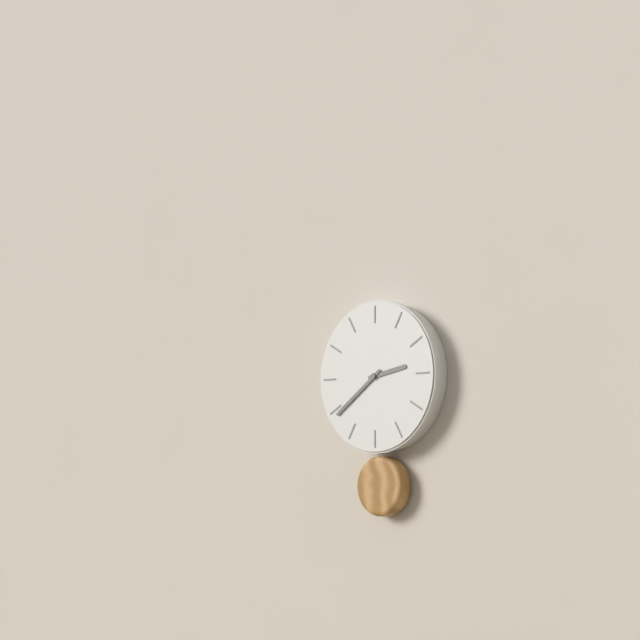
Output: 2h39
